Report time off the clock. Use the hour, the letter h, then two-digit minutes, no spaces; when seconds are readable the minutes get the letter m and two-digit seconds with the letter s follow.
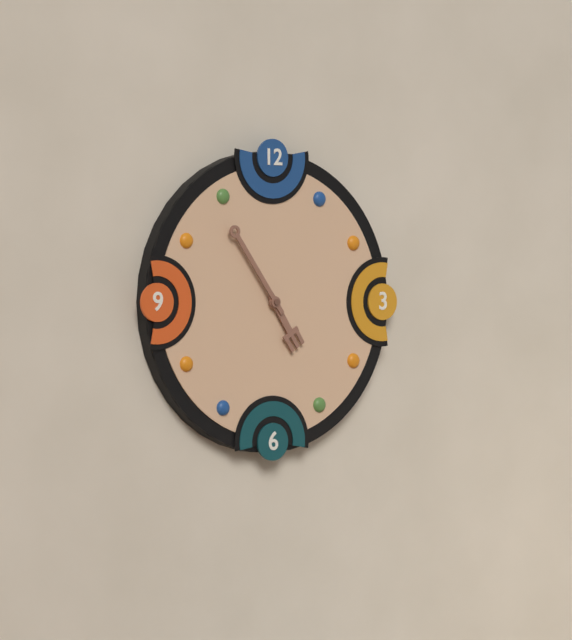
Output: 4h54
